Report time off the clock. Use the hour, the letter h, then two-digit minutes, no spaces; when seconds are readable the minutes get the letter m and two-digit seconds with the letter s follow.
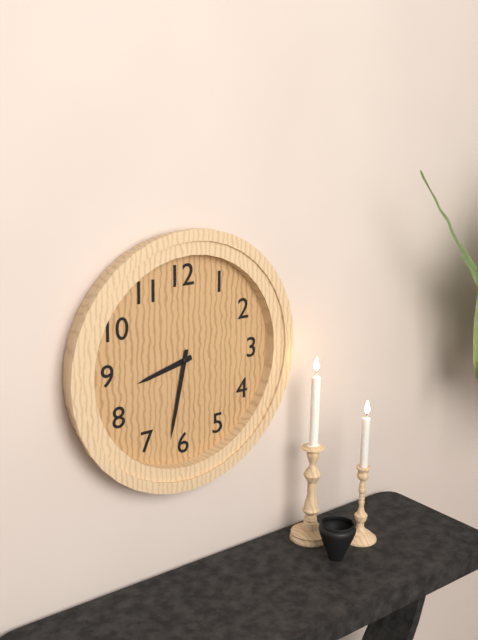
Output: 8h32
